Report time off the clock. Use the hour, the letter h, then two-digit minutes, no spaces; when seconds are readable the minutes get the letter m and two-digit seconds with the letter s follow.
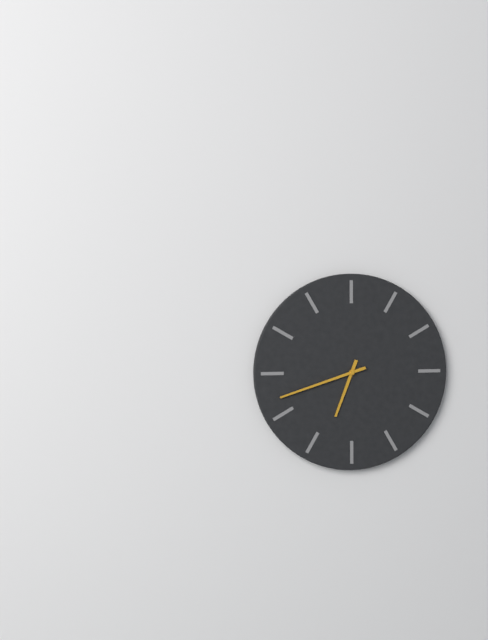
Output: 6h42
